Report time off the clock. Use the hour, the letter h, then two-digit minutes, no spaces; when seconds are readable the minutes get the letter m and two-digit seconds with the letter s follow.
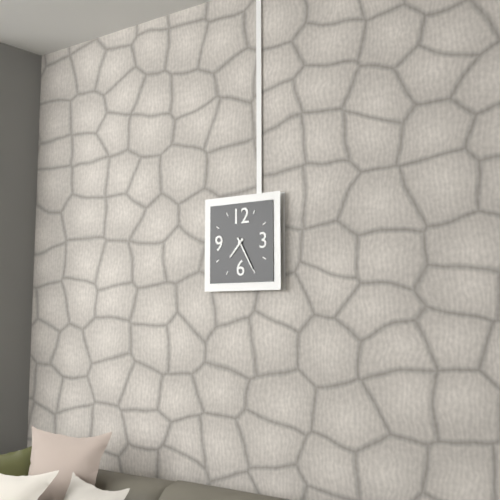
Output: 7h25
